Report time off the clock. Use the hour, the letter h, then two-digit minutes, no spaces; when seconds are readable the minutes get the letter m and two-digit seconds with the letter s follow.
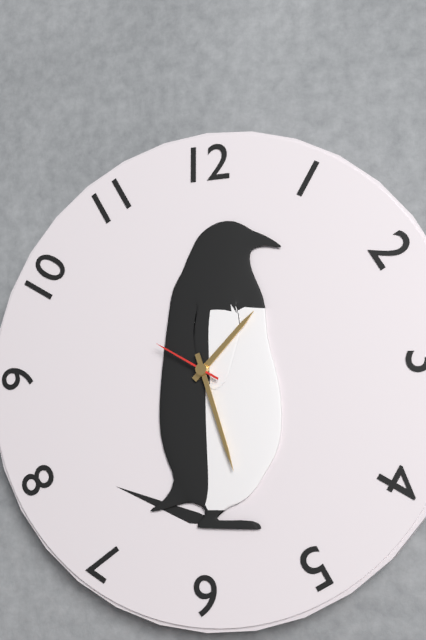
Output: 1h27m50s
